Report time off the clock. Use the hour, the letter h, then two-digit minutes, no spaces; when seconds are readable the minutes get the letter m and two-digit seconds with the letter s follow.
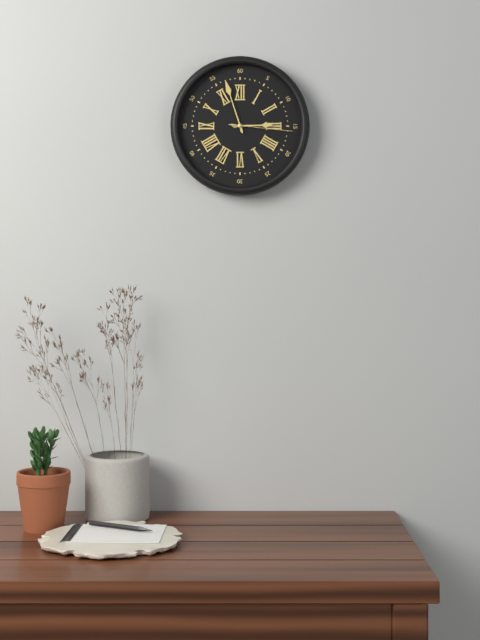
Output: 2h57m16s
